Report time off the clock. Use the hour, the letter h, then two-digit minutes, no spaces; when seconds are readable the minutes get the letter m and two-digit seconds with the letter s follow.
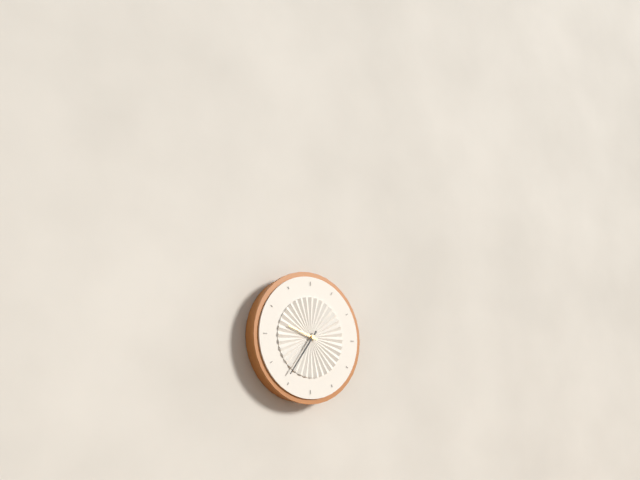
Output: 9h36
